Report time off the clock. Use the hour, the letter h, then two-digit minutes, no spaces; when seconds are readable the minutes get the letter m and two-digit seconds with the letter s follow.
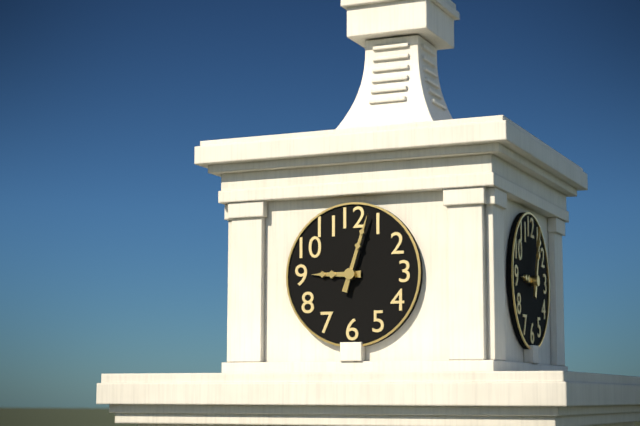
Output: 9h03
